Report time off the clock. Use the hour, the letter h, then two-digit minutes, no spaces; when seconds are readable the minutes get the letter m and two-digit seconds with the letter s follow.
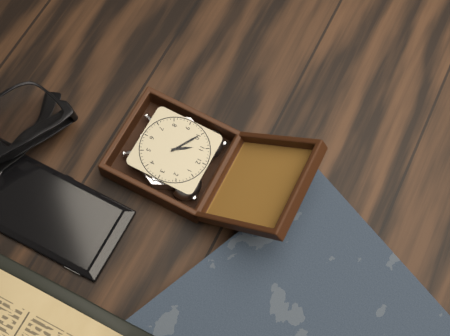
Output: 10h50
